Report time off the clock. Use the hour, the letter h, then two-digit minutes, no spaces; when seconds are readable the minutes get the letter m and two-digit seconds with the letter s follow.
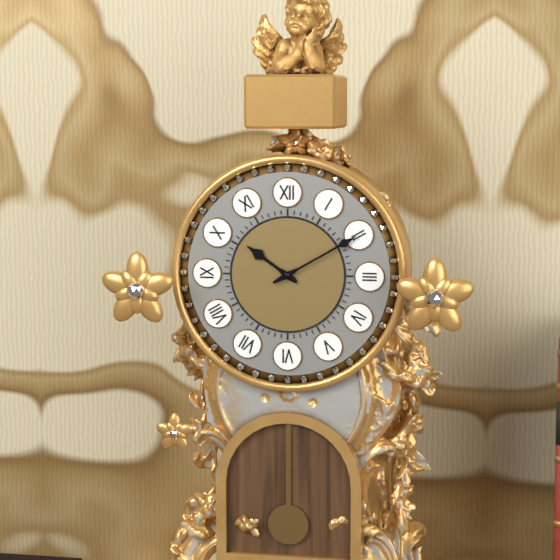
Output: 10h10
